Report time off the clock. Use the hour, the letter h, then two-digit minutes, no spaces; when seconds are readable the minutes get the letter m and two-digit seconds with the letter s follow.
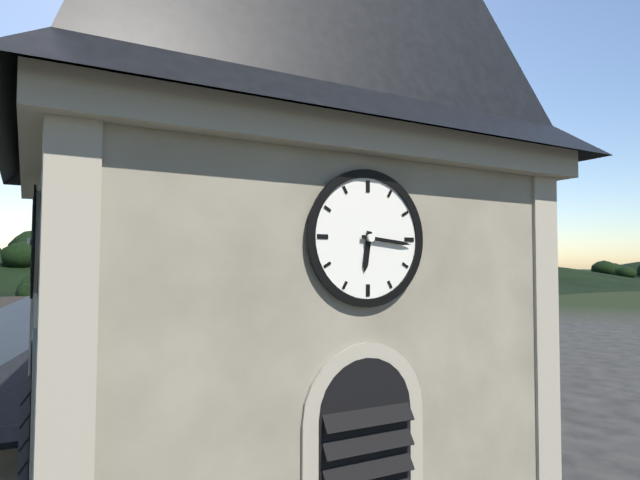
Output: 6h16
